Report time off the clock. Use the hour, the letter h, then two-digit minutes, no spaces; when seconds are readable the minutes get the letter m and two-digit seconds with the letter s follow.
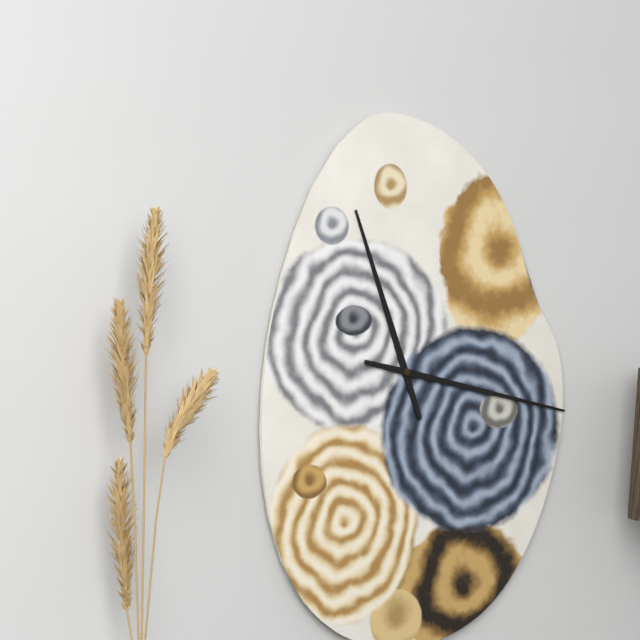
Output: 11h17
